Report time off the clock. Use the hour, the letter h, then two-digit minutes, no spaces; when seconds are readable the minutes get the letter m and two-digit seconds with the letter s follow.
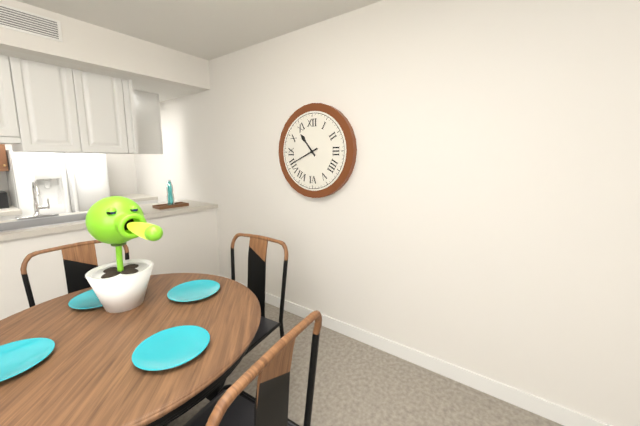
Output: 10h41
